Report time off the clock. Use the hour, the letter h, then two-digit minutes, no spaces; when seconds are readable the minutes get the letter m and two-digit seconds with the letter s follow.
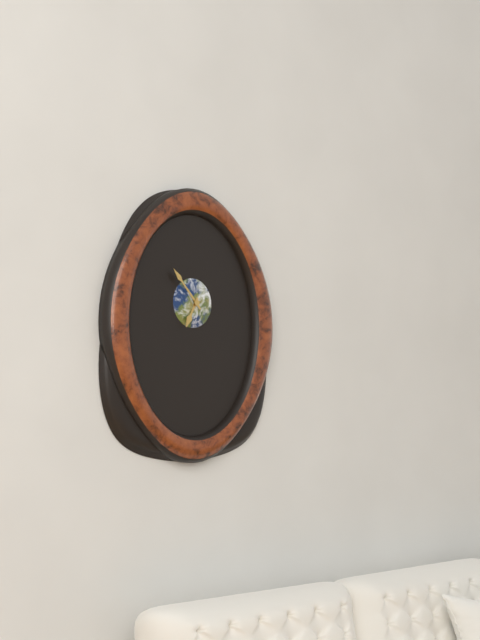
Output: 6h53
